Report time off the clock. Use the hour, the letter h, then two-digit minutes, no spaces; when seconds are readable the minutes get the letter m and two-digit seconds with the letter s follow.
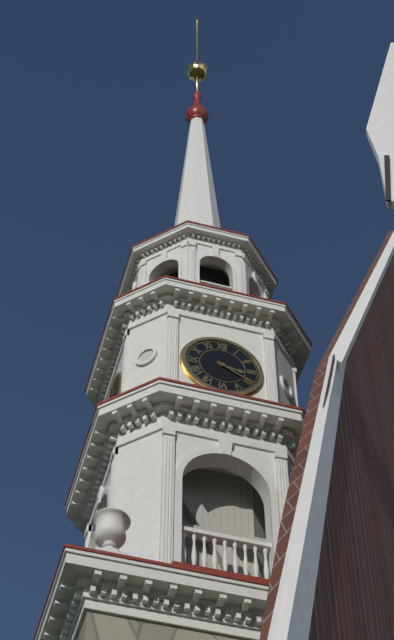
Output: 3h20
